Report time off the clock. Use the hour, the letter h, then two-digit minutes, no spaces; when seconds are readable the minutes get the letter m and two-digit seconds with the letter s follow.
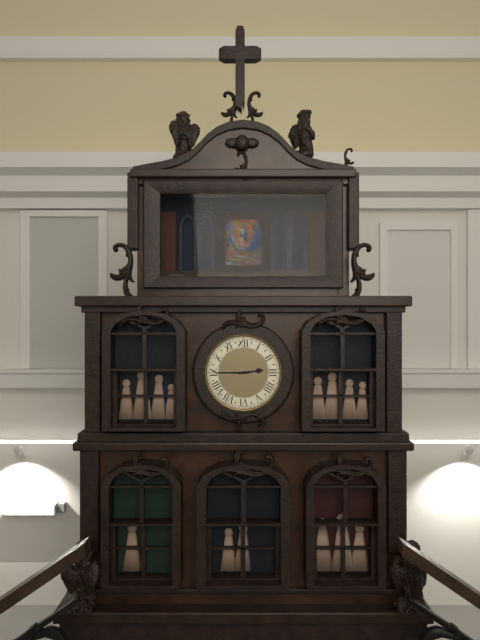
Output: 2h45
